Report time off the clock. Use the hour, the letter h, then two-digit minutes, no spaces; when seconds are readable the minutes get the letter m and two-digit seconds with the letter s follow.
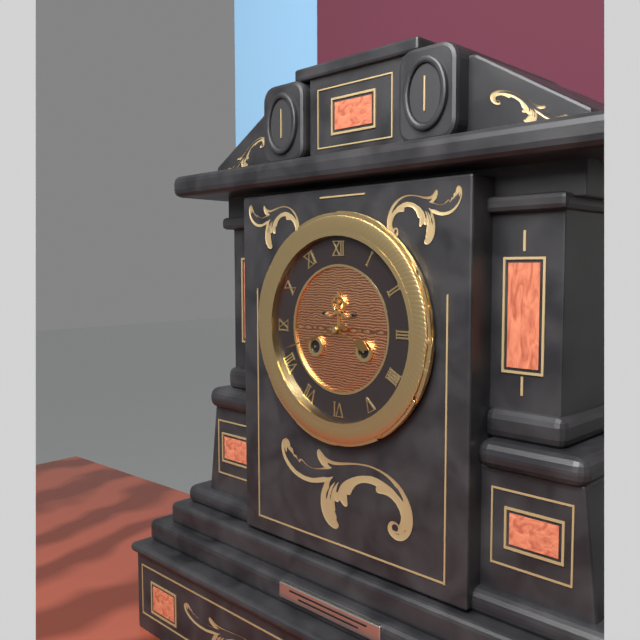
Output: 3h42
